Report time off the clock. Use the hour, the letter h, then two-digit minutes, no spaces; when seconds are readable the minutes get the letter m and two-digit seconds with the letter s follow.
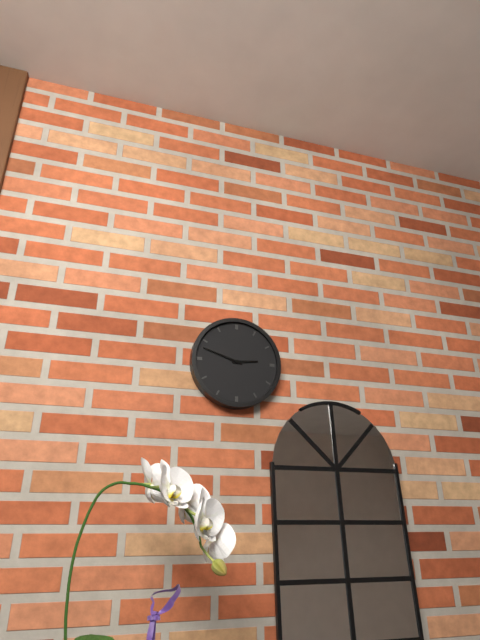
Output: 2h48
